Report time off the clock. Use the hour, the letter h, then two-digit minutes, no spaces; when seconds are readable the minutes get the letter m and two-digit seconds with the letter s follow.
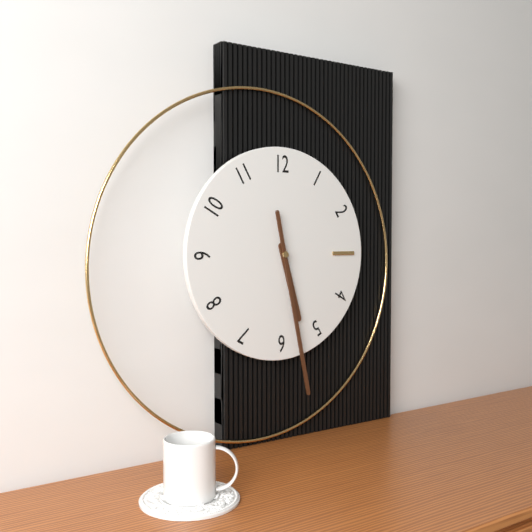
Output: 5h28
